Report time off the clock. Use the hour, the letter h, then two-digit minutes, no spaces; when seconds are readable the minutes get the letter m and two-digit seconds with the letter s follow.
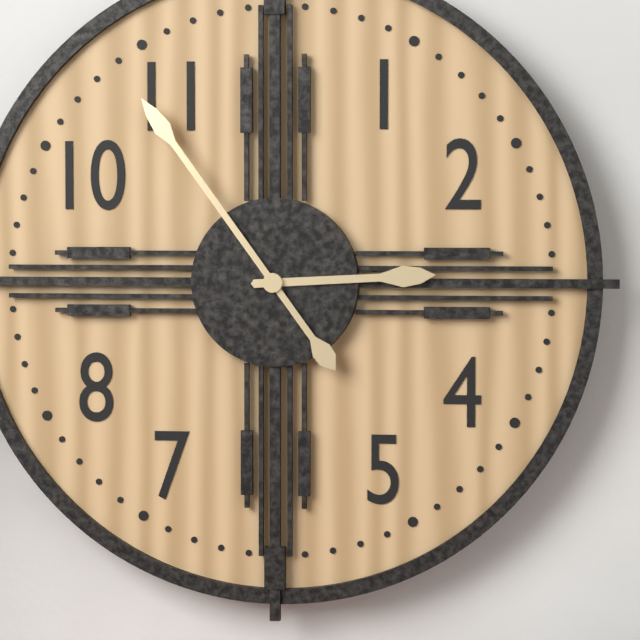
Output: 2h54
